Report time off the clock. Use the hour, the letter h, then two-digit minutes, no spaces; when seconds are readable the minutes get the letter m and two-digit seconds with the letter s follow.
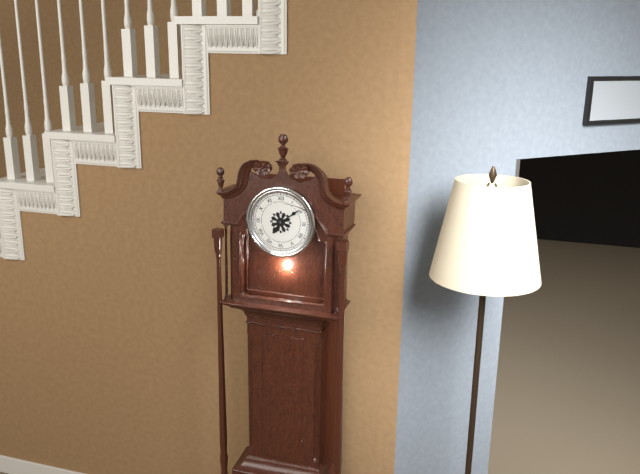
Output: 7h09
